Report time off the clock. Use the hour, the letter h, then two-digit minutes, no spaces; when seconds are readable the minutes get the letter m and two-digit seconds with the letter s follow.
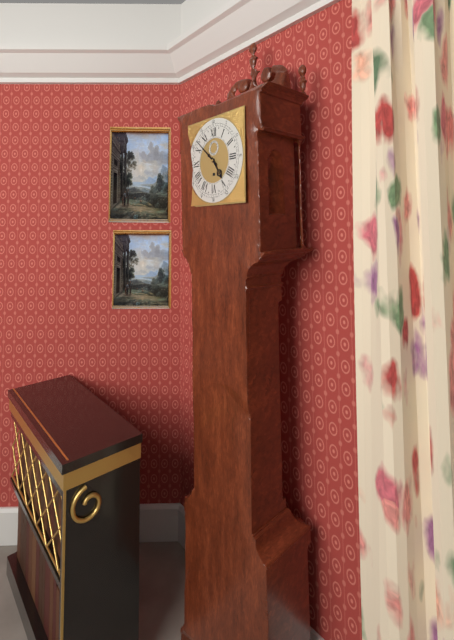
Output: 4h52
